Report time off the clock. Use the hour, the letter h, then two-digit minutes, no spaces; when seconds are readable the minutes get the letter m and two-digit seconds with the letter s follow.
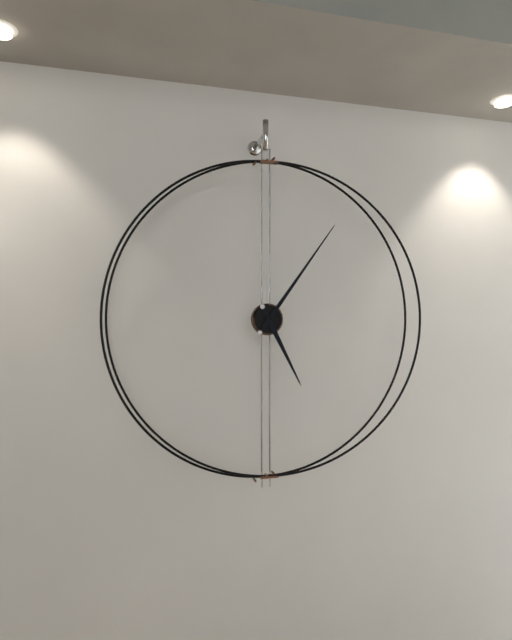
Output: 5h06
